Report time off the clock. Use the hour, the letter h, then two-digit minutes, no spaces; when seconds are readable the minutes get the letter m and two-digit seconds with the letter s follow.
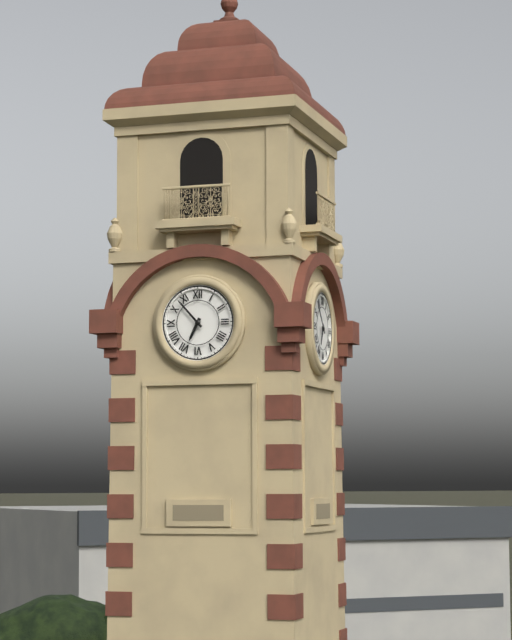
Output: 6h53
